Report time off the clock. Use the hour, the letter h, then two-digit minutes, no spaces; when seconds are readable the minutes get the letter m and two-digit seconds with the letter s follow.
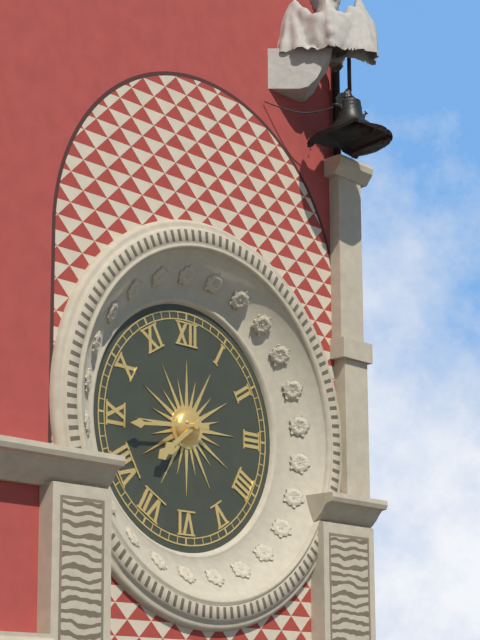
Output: 7h44
